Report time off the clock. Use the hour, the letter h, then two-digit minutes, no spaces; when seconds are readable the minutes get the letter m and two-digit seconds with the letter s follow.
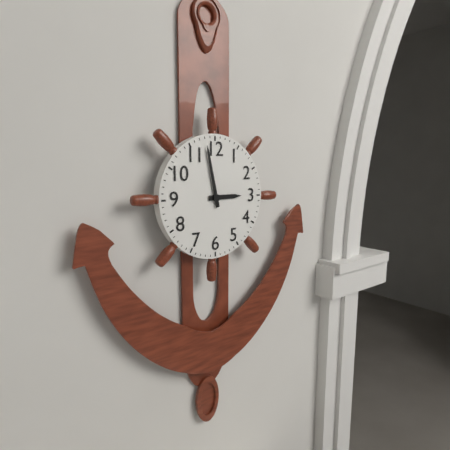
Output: 2h58
